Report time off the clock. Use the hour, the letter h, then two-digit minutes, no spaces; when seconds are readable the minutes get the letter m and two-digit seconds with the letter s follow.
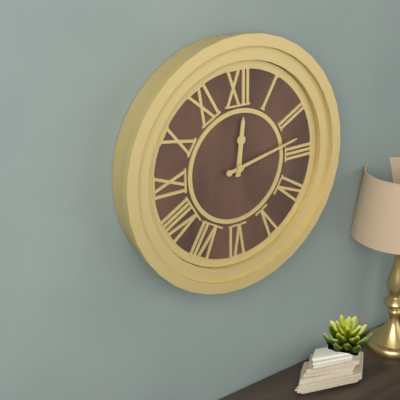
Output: 12h13
